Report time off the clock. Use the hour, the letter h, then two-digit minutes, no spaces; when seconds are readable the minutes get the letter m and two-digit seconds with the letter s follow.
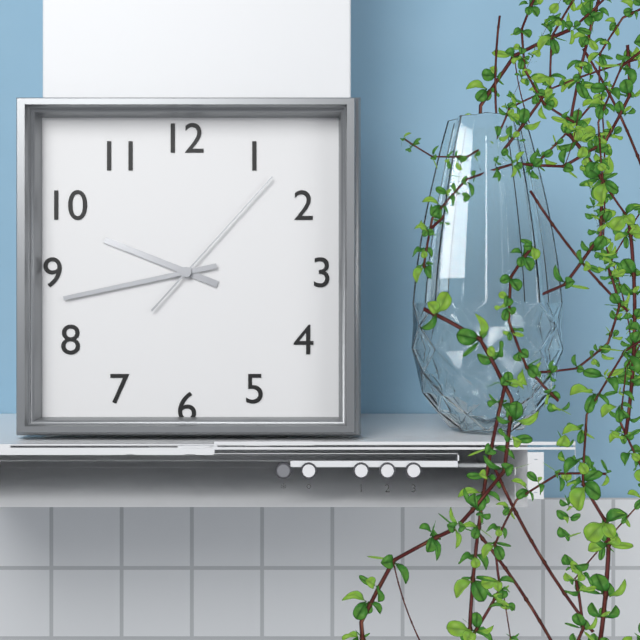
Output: 9h43m07s
